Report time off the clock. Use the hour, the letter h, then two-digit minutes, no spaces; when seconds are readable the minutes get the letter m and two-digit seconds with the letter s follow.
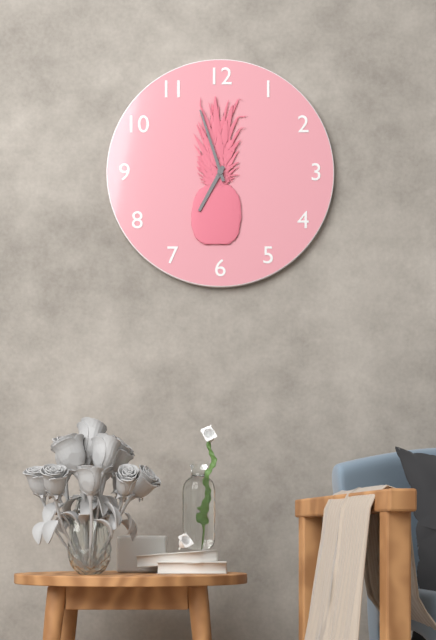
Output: 6h57
